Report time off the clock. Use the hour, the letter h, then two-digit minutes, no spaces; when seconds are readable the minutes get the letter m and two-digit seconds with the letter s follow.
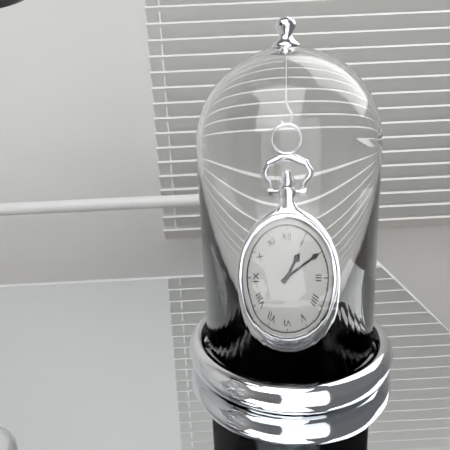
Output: 1h10
